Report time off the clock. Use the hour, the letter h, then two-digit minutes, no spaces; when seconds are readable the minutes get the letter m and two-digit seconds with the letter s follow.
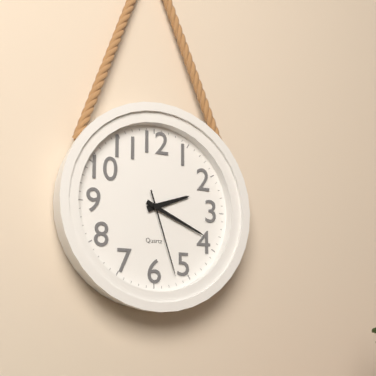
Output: 2h19m27s
